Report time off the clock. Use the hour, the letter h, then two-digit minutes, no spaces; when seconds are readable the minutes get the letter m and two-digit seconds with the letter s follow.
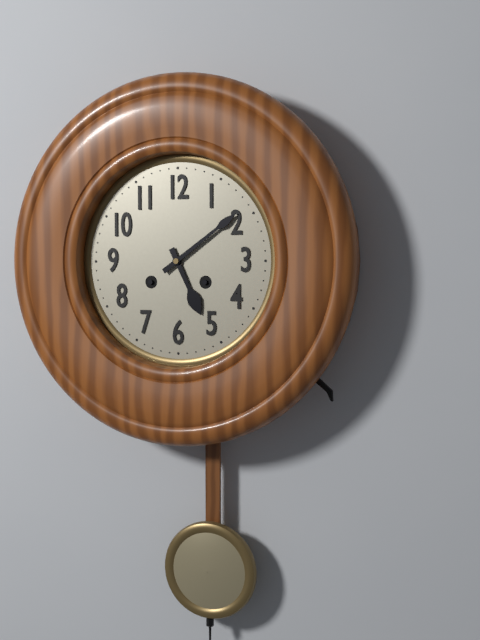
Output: 5h09
